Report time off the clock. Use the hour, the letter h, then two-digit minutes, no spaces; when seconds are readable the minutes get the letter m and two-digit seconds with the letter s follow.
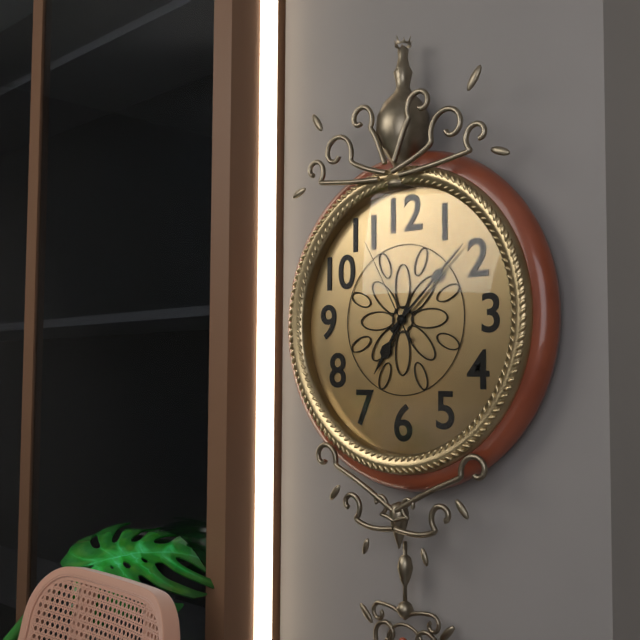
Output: 7h08m55s
